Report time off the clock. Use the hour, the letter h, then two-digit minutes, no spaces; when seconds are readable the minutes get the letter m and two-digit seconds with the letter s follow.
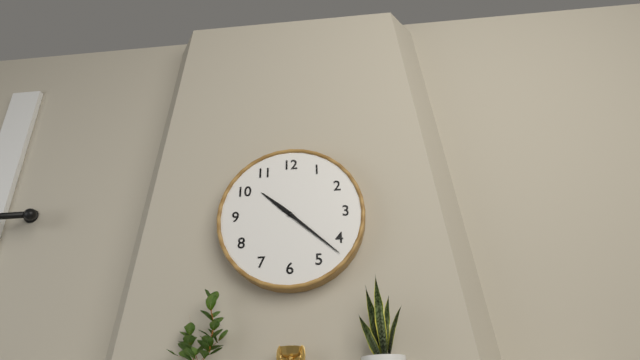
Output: 10h22
